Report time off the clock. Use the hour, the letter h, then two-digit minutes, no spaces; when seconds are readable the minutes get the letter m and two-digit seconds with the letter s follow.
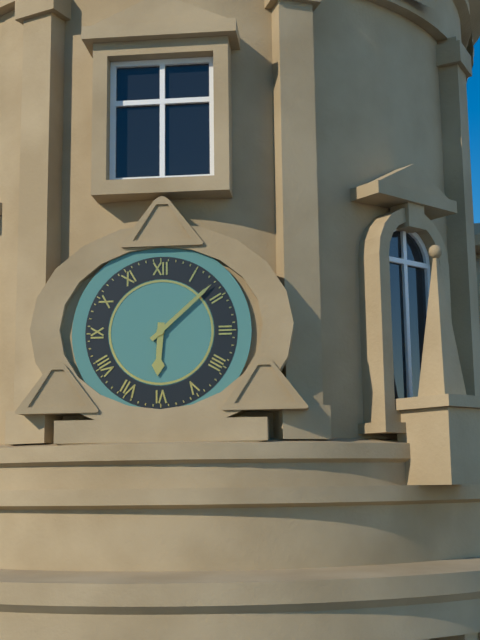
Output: 6h08
